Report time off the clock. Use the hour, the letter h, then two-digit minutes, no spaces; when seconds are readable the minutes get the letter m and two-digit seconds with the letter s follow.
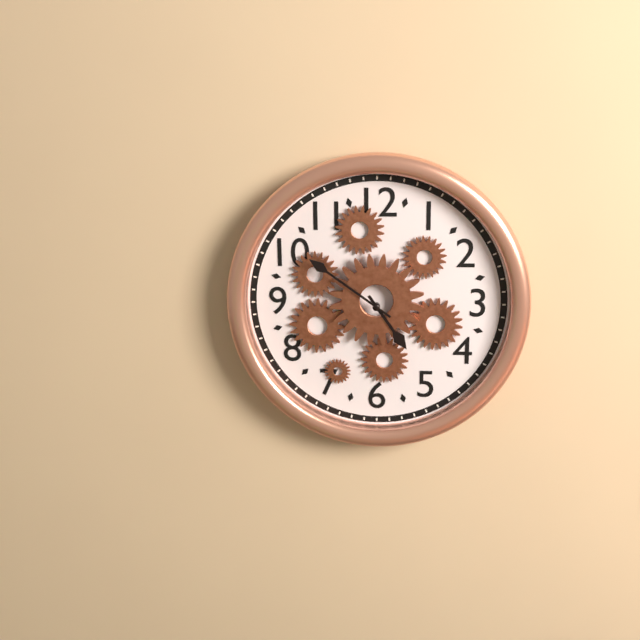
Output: 4h51
